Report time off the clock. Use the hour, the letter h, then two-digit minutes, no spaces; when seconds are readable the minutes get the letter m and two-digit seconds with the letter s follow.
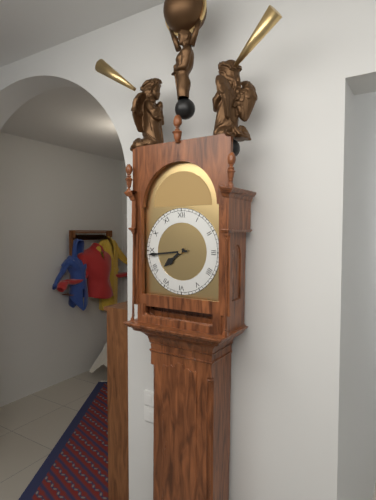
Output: 7h44
